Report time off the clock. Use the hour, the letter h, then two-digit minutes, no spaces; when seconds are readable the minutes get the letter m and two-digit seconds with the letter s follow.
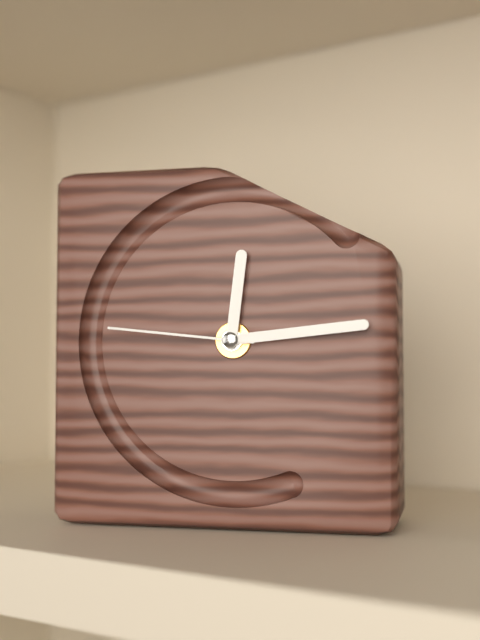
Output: 12h14m46s
